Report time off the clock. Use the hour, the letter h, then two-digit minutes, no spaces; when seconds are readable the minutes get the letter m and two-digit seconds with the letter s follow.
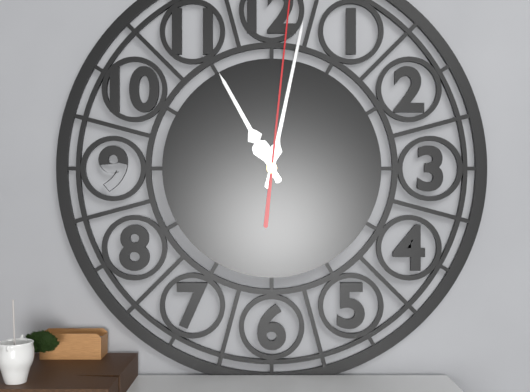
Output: 11h02
